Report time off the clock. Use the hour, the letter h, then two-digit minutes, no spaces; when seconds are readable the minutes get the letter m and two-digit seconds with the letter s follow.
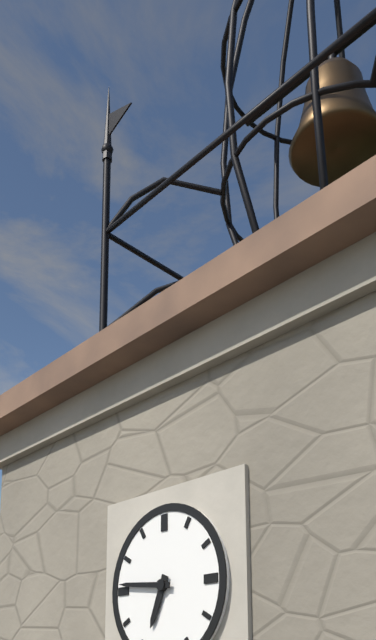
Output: 6h46
